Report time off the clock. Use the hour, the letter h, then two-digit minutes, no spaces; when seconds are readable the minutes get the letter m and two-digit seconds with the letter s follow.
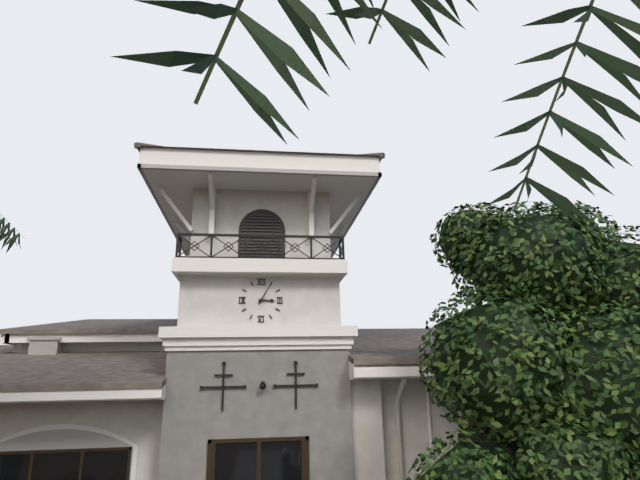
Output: 3h05
